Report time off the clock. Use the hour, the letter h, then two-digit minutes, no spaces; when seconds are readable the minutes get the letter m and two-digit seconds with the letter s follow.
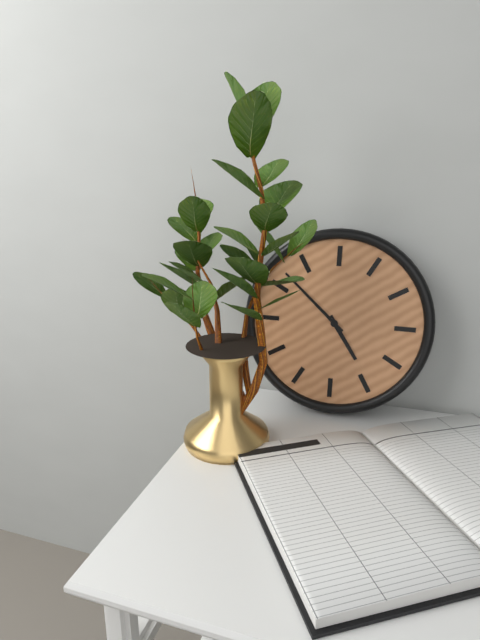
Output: 4h52
